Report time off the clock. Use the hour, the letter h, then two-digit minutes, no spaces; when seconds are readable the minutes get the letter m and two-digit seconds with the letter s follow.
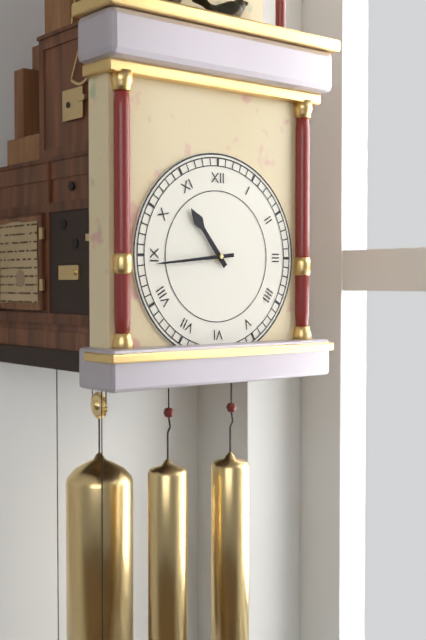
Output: 10h44
